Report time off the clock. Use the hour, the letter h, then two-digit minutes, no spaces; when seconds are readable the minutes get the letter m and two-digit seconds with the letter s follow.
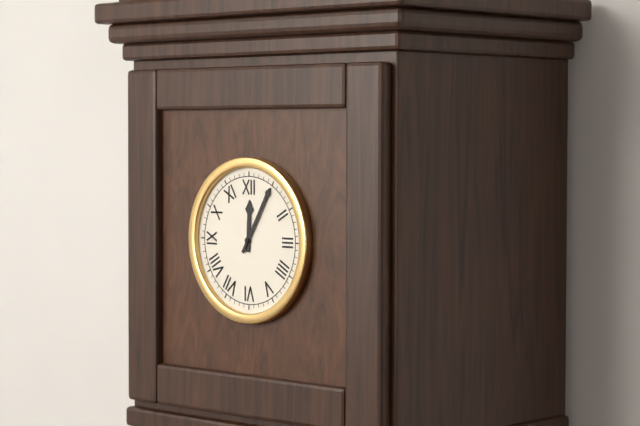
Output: 12h05
